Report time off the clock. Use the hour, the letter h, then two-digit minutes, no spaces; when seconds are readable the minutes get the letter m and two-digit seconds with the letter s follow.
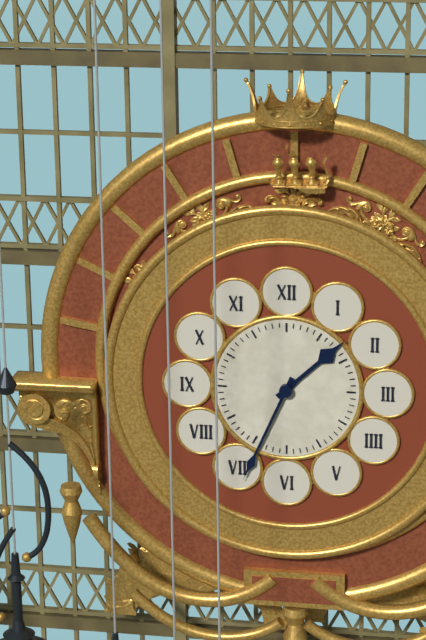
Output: 1h34
